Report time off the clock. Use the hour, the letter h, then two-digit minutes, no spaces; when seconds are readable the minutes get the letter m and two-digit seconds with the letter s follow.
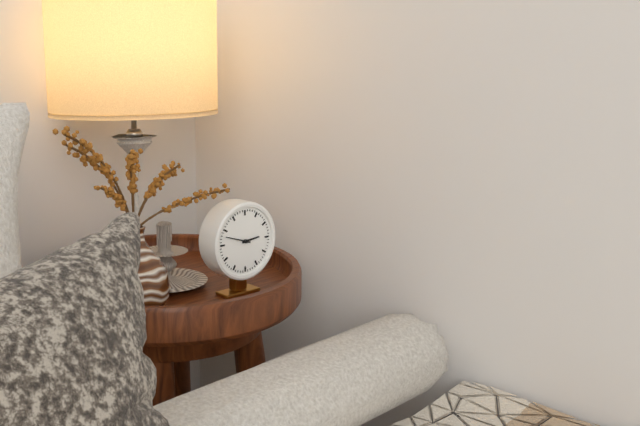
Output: 2h48
